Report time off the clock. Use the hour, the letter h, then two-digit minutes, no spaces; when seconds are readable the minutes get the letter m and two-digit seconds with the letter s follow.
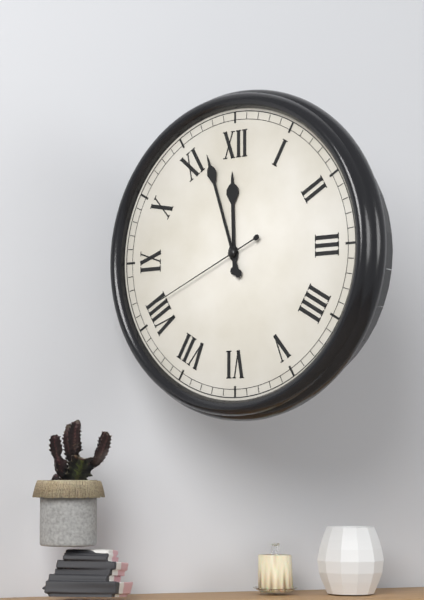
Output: 11h57m41s
